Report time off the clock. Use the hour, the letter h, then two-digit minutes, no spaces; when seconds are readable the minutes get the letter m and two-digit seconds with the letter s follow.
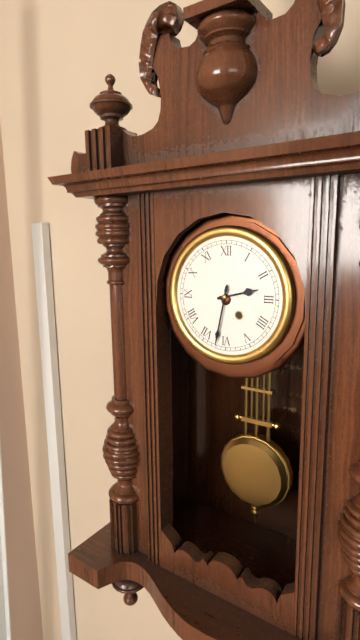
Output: 2h32
